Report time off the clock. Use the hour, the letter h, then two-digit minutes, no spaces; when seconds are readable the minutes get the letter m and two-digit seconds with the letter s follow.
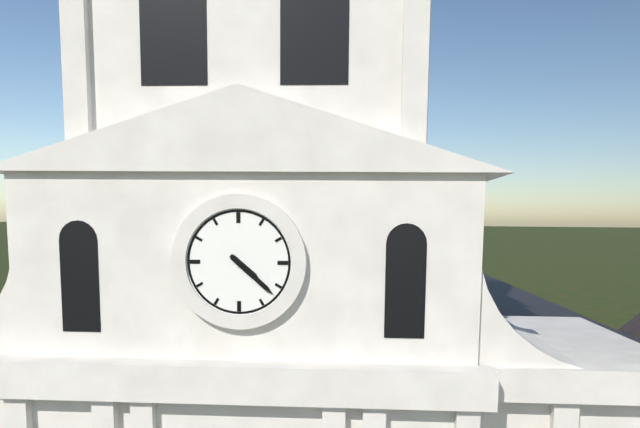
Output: 4h22
